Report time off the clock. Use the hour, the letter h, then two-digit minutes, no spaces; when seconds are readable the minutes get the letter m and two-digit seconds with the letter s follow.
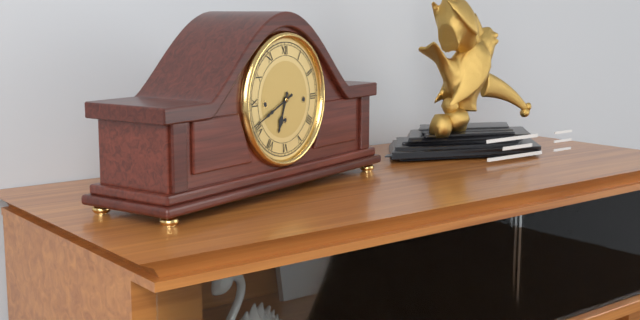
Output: 6h41
